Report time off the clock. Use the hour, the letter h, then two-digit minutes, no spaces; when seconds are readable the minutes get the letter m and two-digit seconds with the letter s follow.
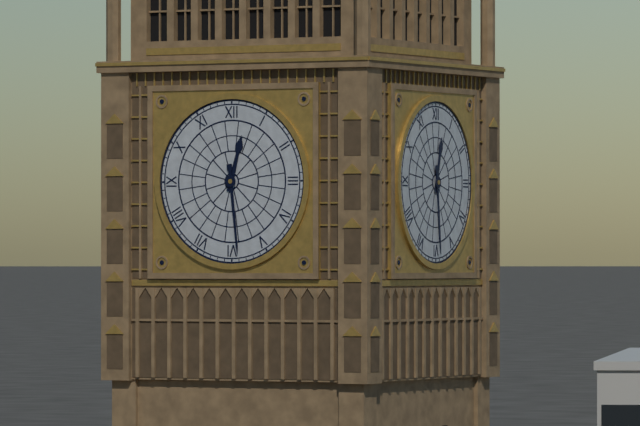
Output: 12h29
